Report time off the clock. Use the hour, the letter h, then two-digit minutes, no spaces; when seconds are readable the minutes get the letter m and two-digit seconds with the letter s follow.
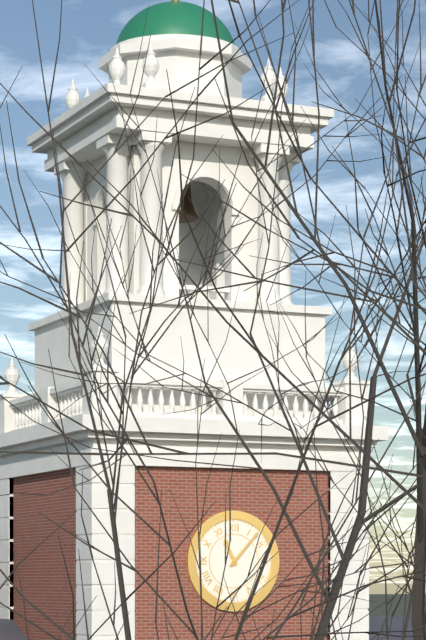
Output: 11h07
